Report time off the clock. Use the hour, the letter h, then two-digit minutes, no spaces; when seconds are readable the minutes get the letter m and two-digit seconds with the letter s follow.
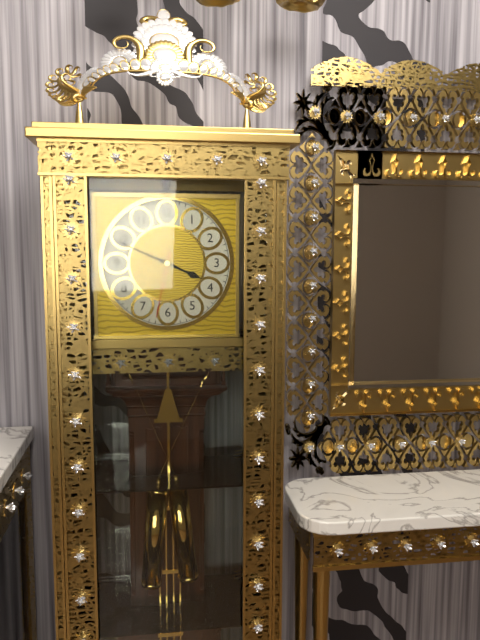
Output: 3h49m32s
